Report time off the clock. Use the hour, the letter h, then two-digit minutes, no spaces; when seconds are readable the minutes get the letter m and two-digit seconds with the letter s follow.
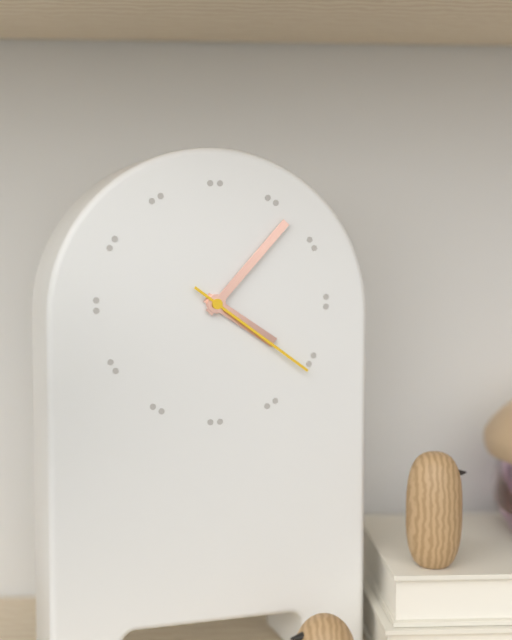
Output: 4h07m21s
